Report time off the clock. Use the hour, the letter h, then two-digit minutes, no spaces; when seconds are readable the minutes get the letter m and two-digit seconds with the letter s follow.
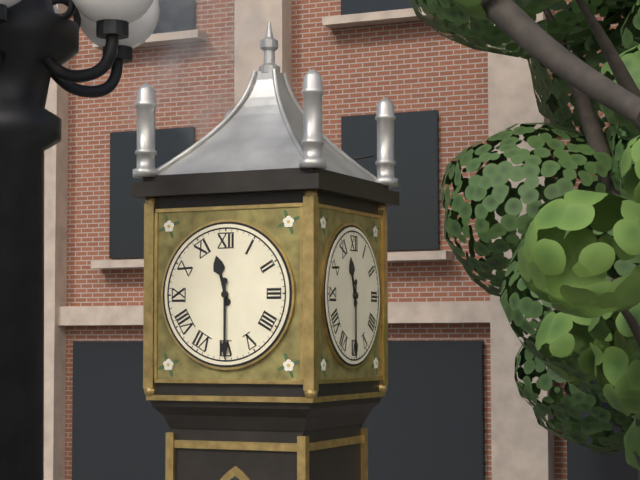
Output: 11h30
